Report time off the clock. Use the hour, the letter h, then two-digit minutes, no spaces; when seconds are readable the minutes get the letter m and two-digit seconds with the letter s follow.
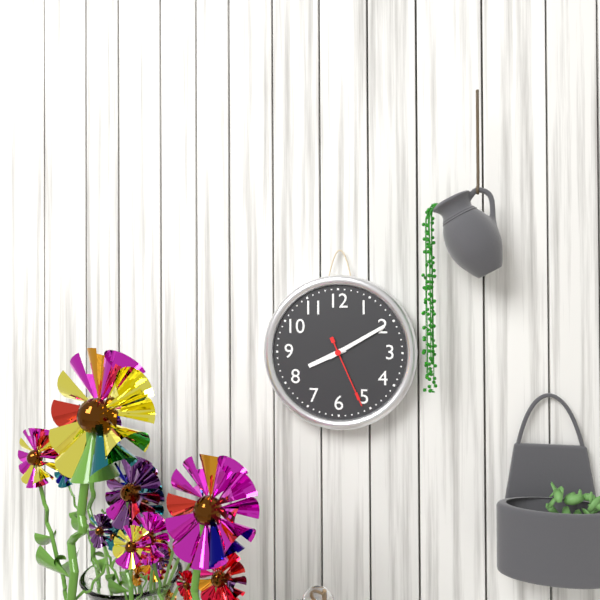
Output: 8h10m26s
